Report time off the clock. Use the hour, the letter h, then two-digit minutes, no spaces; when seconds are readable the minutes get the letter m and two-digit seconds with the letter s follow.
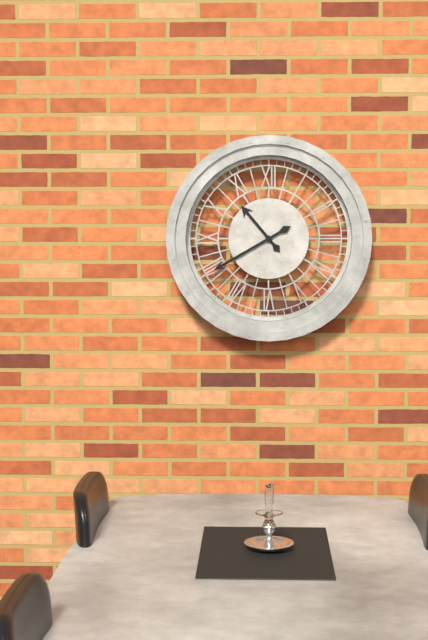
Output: 10h40
